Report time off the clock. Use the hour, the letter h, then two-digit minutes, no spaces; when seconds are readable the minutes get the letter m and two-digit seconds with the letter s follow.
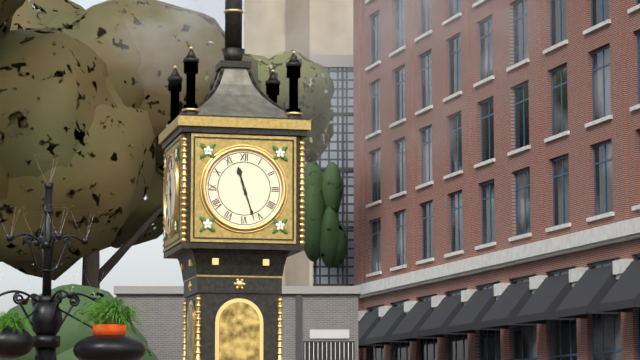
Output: 11h27
